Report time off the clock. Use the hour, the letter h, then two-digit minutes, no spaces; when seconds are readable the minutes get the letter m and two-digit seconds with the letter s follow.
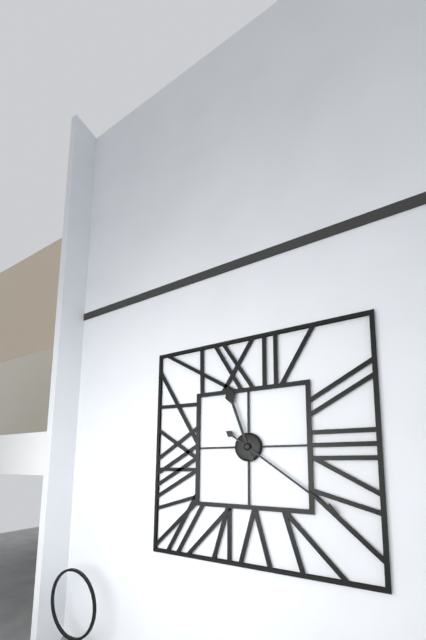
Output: 11h21
